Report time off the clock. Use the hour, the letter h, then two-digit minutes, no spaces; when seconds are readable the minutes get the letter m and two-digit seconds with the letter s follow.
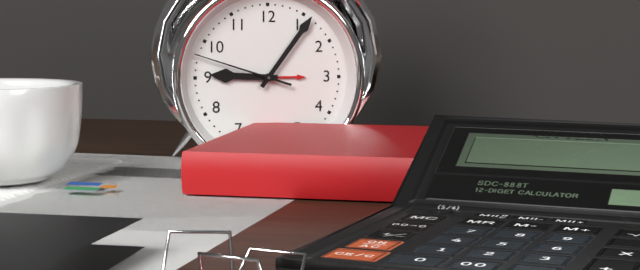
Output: 9h06m48s
